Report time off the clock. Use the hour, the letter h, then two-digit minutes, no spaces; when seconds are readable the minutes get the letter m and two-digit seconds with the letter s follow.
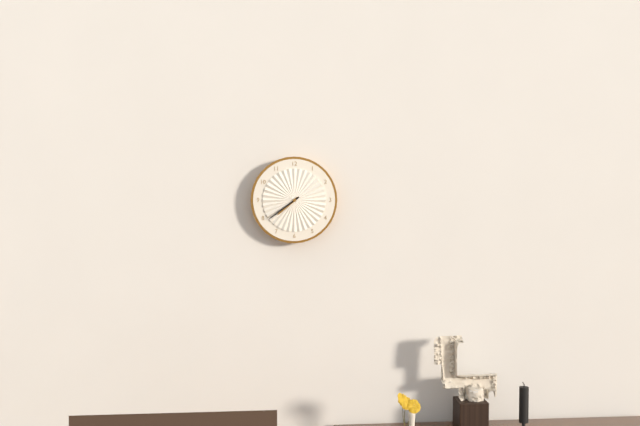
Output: 7h39
